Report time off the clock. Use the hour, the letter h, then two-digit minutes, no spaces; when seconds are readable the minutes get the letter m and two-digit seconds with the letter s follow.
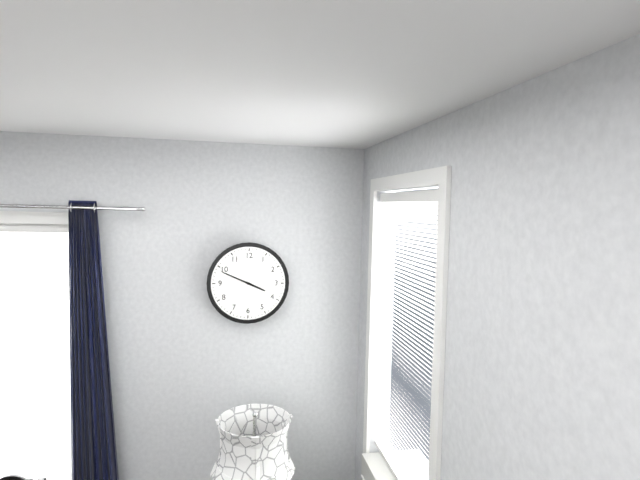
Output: 3h49
